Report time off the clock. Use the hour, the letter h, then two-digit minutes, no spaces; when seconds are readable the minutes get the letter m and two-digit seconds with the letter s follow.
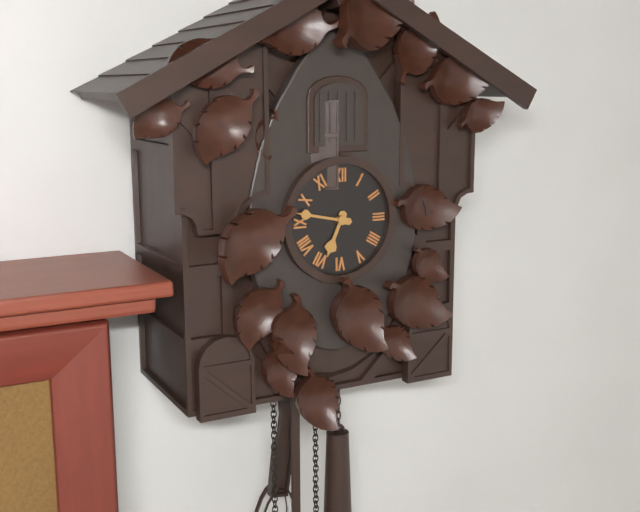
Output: 6h47
